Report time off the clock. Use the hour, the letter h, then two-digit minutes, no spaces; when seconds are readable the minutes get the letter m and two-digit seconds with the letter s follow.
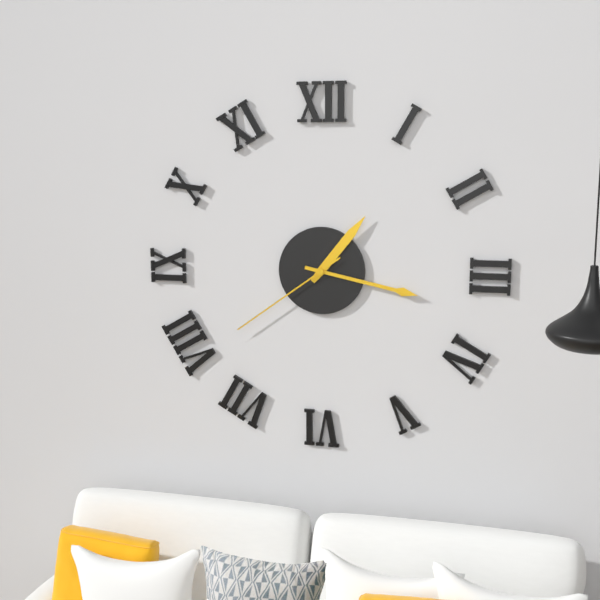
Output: 1h17m39s
